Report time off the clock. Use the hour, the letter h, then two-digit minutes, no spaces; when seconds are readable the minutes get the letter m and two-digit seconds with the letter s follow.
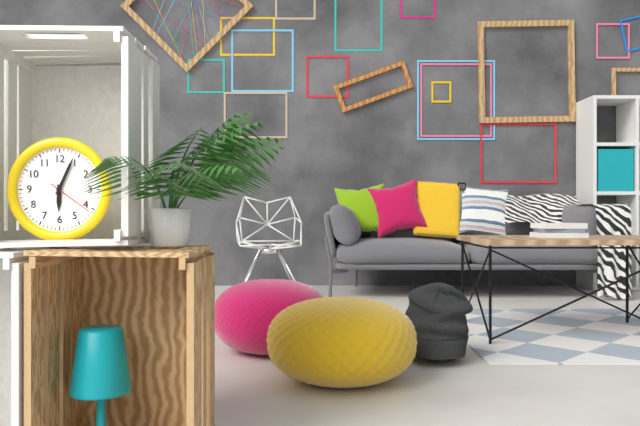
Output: 6h04
